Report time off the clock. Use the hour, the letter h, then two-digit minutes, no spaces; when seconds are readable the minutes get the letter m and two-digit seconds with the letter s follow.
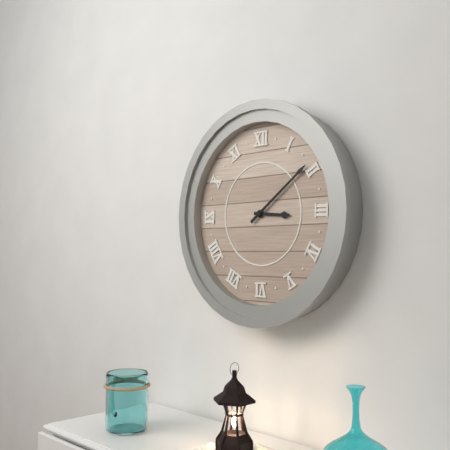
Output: 3h09
